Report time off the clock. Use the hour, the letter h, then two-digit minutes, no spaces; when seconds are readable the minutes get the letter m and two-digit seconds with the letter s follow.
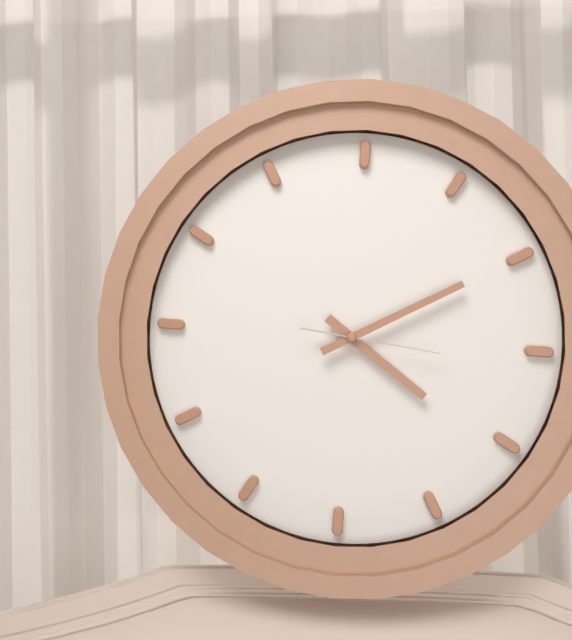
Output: 4h10m16s
